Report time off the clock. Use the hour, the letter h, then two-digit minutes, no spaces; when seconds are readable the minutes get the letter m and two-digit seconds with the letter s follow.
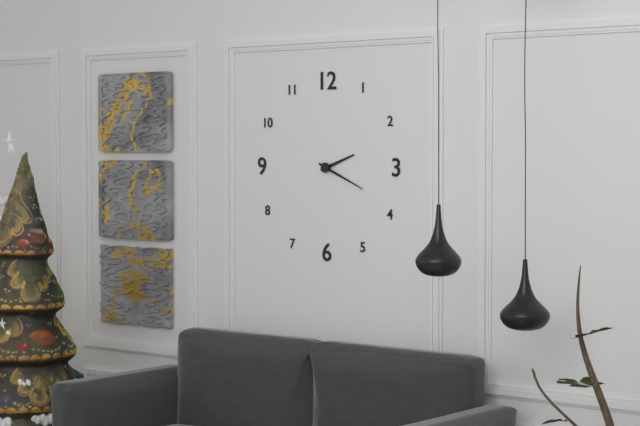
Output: 2h19
